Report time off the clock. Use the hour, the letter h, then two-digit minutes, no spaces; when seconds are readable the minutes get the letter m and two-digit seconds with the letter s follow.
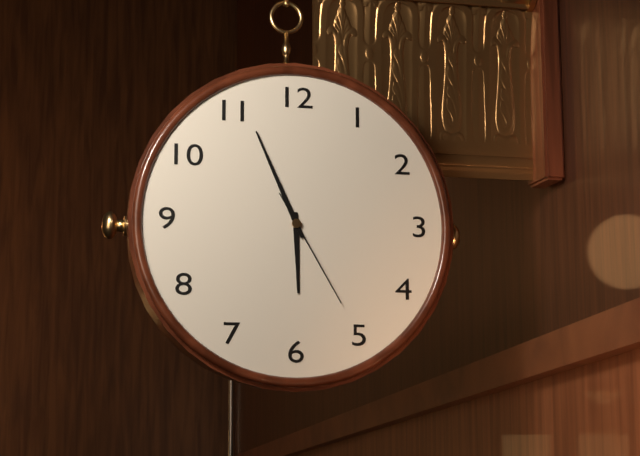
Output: 5h56m25s
